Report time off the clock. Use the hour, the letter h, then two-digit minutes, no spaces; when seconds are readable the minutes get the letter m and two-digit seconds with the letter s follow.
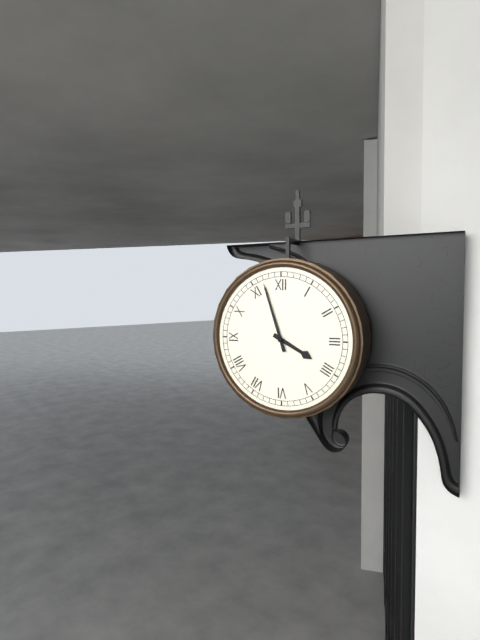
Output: 3h57
